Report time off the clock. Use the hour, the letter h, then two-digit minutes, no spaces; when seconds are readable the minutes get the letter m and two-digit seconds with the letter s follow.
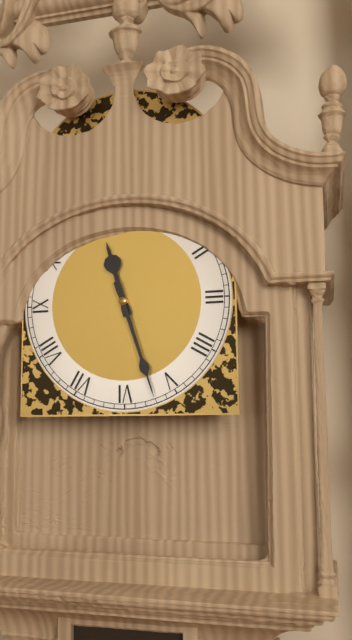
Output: 11h27
